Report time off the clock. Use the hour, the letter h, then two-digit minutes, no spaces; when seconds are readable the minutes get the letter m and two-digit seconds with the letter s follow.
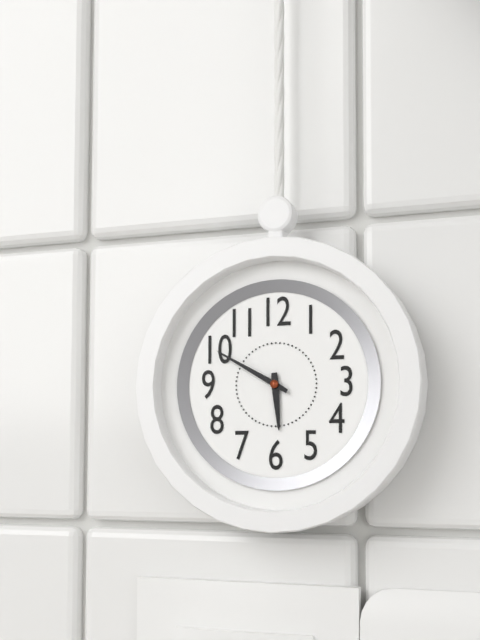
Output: 5h50
